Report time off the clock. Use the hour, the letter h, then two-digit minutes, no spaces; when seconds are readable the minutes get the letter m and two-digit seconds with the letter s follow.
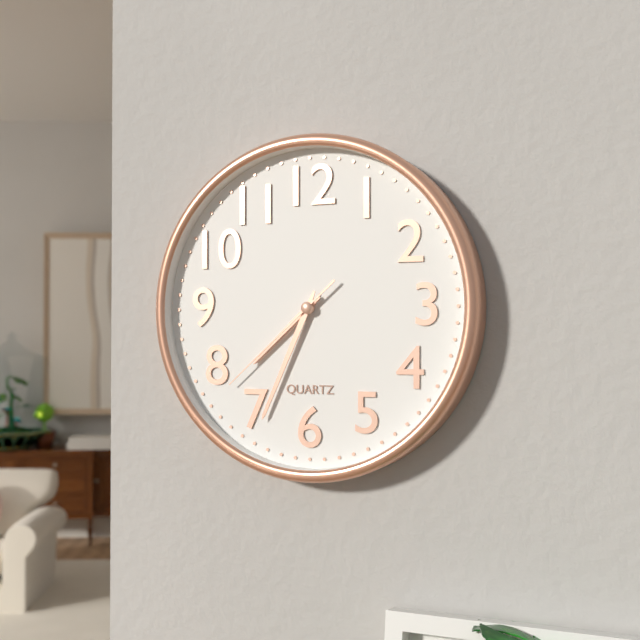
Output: 7h34m38s
